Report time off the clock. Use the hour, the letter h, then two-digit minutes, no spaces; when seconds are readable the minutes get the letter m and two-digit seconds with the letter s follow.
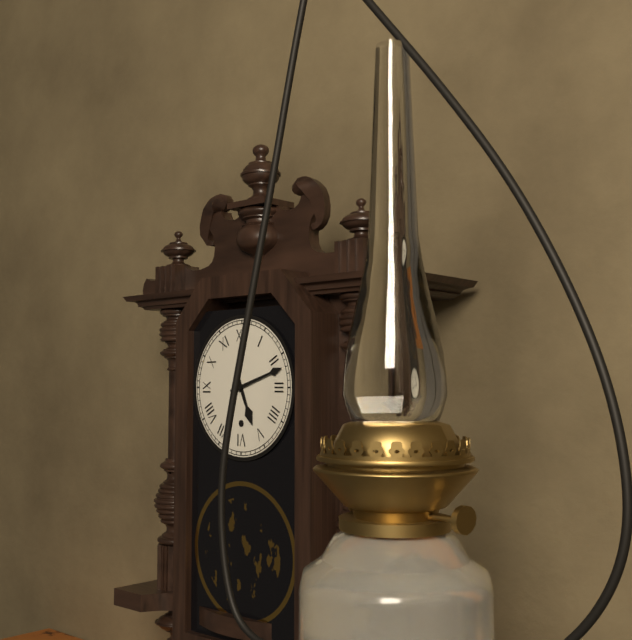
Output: 5h12
